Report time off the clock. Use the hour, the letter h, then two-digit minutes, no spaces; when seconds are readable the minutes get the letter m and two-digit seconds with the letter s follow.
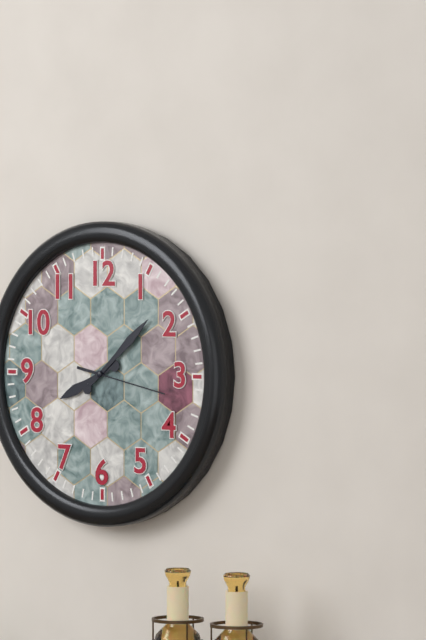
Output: 8h08m17s
